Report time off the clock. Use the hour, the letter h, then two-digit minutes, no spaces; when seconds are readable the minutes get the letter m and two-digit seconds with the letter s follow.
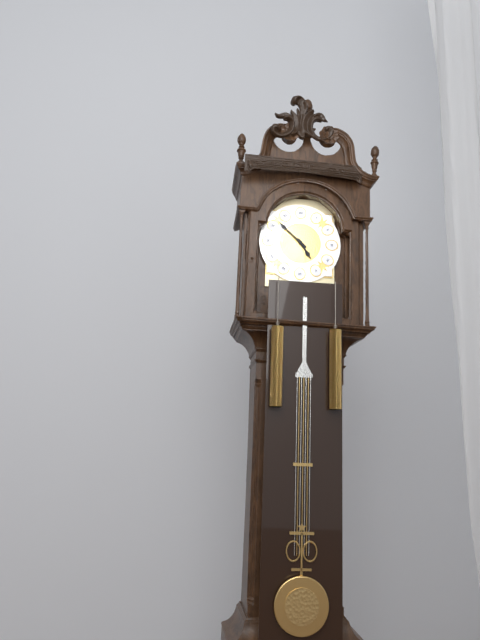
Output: 4h52
